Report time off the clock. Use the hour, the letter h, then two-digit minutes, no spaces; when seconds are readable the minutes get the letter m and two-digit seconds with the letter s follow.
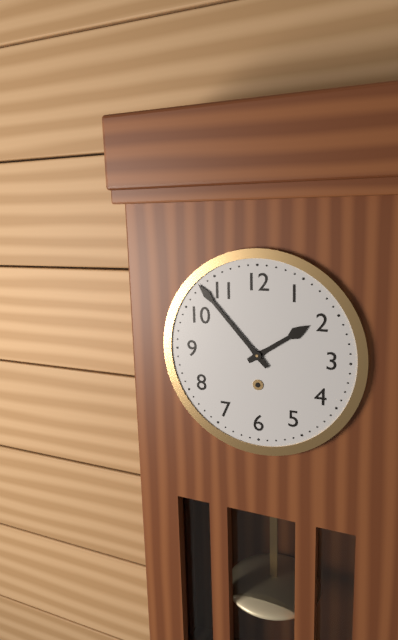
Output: 1h53
